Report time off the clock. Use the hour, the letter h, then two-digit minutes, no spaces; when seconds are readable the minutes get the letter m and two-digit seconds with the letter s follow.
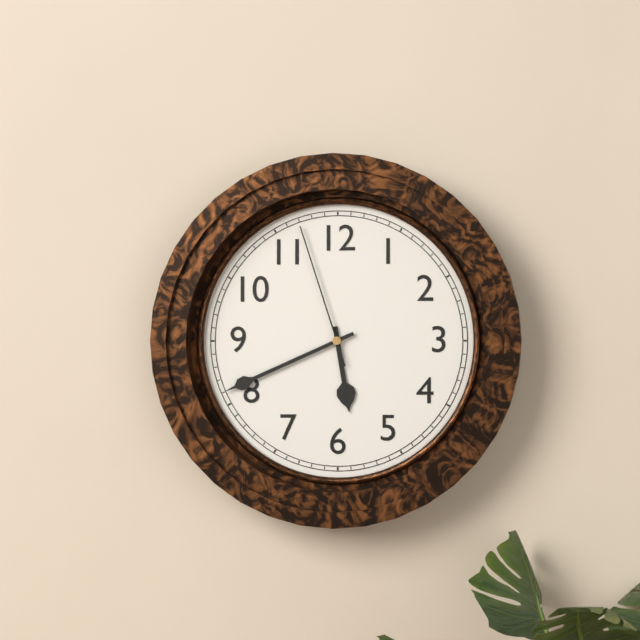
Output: 5h41m57s
